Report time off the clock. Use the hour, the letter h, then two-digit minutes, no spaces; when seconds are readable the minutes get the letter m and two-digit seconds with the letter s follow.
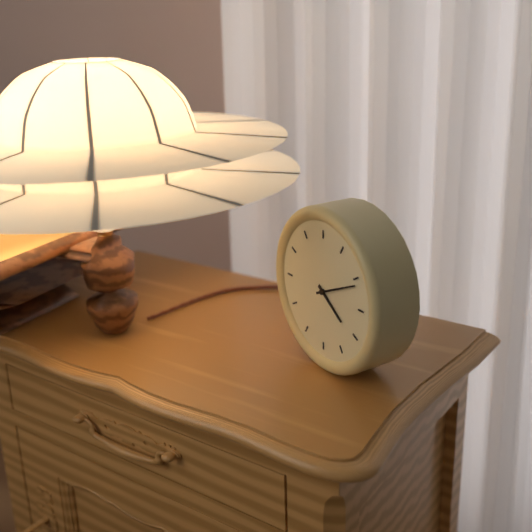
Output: 4h11
